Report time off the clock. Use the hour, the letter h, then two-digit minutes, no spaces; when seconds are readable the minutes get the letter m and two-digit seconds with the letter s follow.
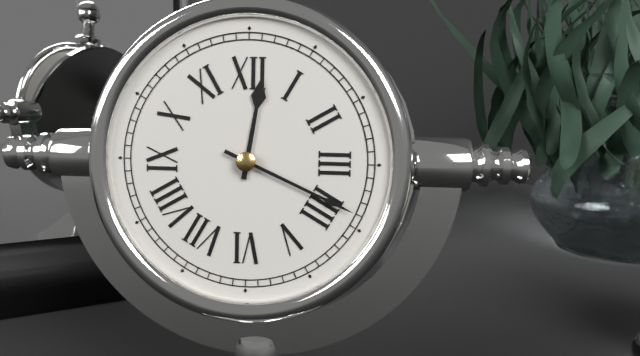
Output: 12h19
